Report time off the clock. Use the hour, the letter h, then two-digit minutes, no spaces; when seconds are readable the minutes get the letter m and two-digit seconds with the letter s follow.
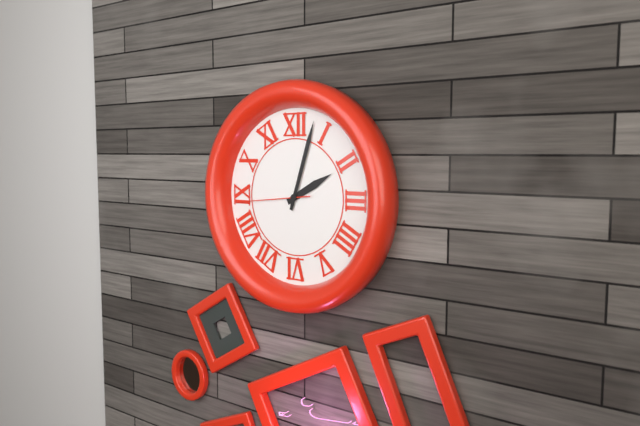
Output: 2h03m44s
